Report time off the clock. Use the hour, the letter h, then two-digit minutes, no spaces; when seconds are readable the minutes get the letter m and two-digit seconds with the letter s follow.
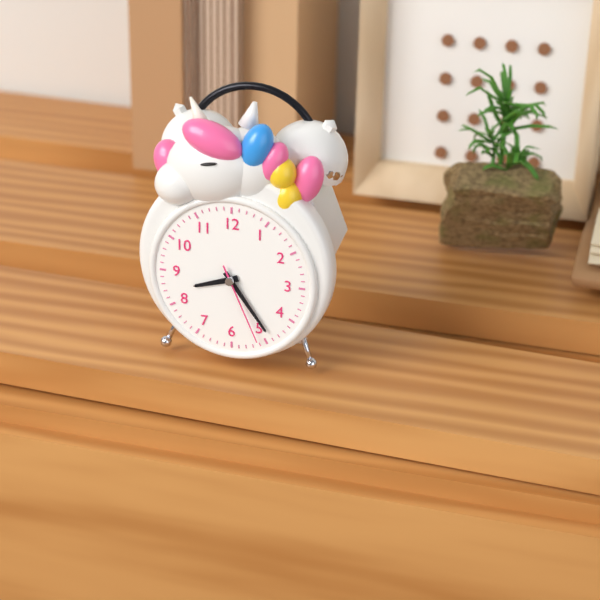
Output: 8h24m26s
